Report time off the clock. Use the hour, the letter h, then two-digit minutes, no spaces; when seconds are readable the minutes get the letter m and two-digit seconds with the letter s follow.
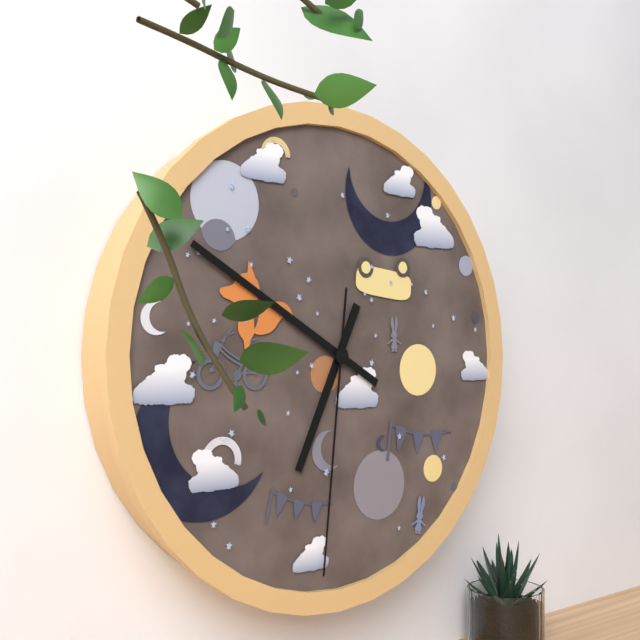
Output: 6h50m31s
